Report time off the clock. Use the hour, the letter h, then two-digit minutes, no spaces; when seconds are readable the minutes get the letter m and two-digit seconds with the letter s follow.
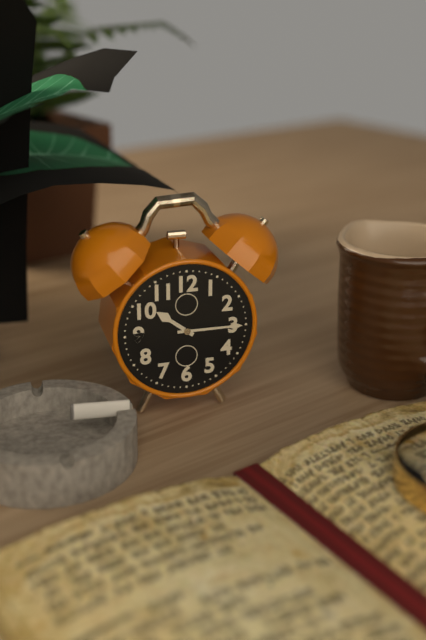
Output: 10h15
